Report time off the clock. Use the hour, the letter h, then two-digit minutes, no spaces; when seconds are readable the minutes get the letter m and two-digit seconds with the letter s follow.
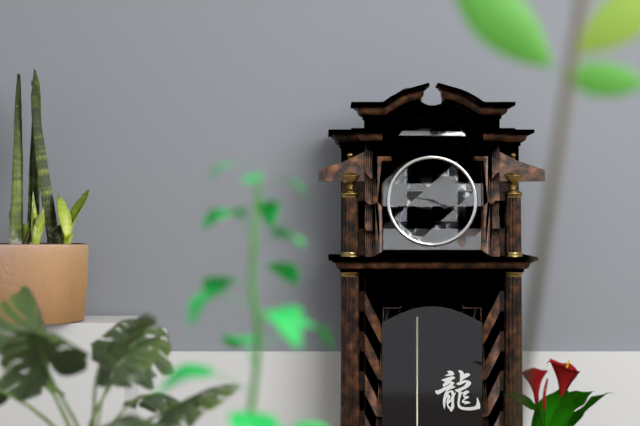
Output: 3h47
